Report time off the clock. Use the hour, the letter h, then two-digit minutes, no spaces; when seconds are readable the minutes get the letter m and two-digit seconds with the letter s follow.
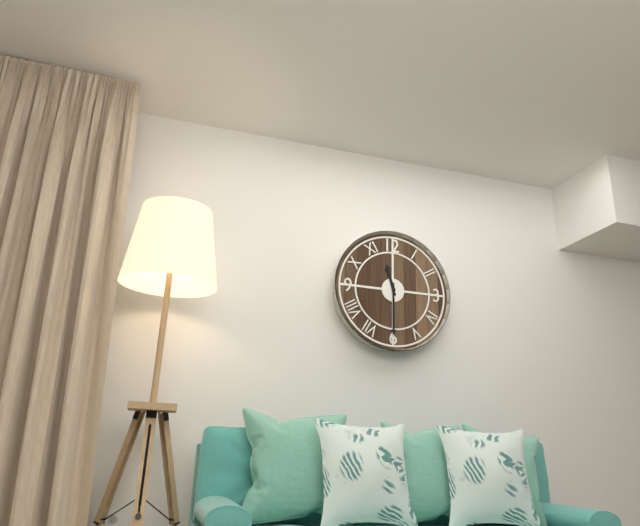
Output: 11h30
